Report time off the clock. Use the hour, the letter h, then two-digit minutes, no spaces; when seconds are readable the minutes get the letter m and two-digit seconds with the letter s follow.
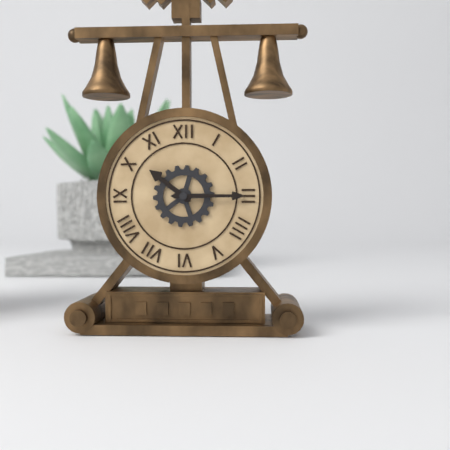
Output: 10h15
